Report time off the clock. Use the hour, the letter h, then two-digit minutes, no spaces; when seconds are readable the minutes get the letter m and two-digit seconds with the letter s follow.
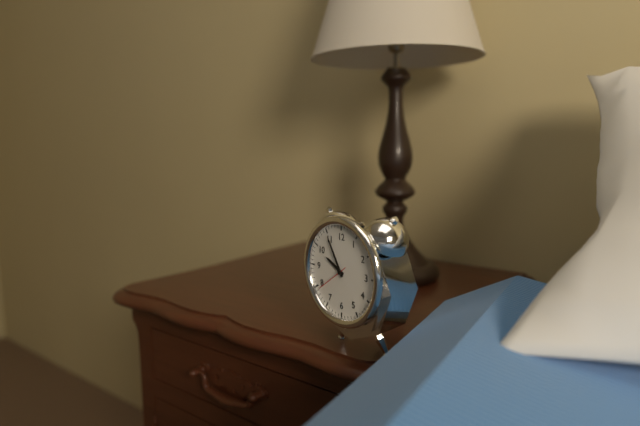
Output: 9h55
